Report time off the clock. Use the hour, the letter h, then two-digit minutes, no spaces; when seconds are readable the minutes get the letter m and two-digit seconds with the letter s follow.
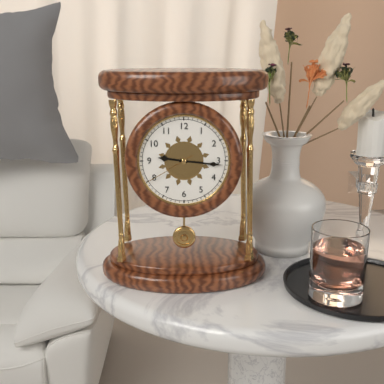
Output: 9h16m40s
